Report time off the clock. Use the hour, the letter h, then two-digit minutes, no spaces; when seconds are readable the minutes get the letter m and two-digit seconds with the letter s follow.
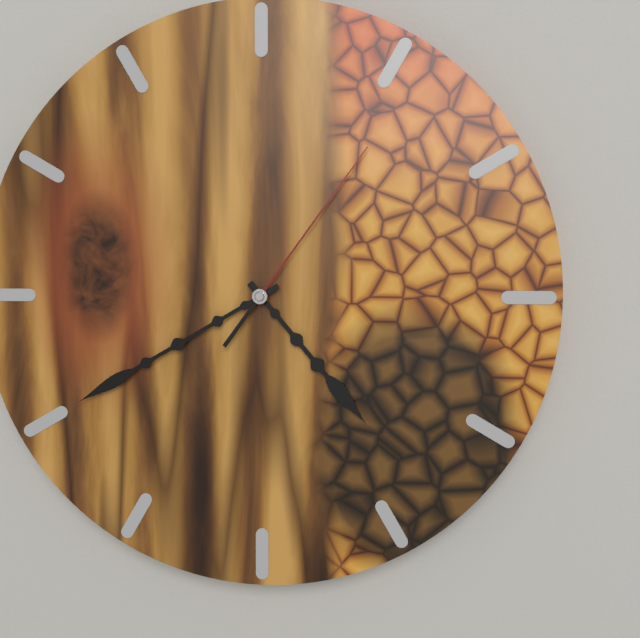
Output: 4h40m06s
